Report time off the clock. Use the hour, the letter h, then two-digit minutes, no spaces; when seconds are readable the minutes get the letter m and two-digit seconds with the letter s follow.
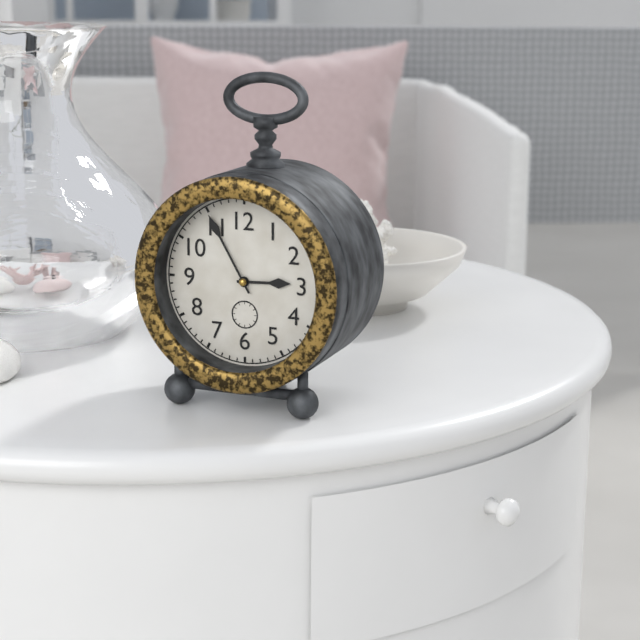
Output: 2h55
